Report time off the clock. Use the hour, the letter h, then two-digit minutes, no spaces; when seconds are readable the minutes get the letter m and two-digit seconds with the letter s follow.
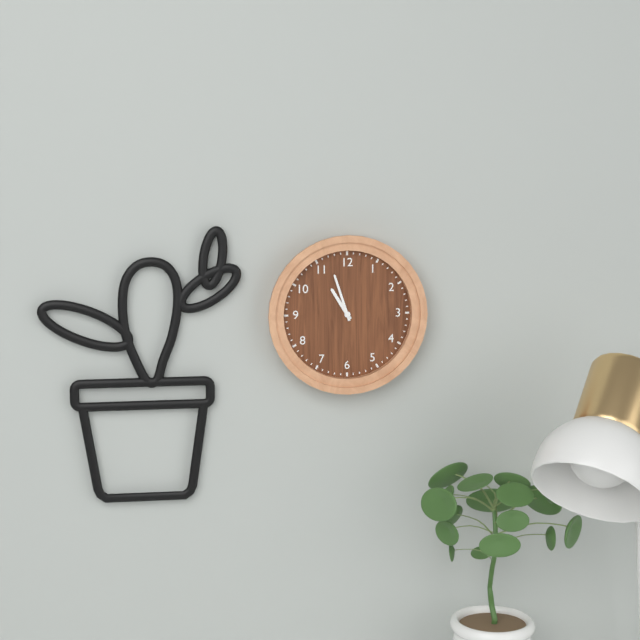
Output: 10h57
